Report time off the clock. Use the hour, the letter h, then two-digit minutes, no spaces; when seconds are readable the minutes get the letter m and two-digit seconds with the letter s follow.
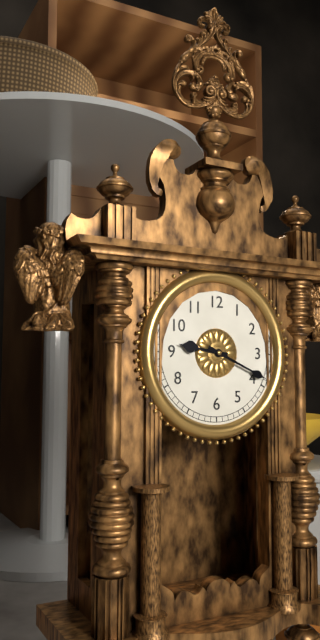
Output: 9h19
